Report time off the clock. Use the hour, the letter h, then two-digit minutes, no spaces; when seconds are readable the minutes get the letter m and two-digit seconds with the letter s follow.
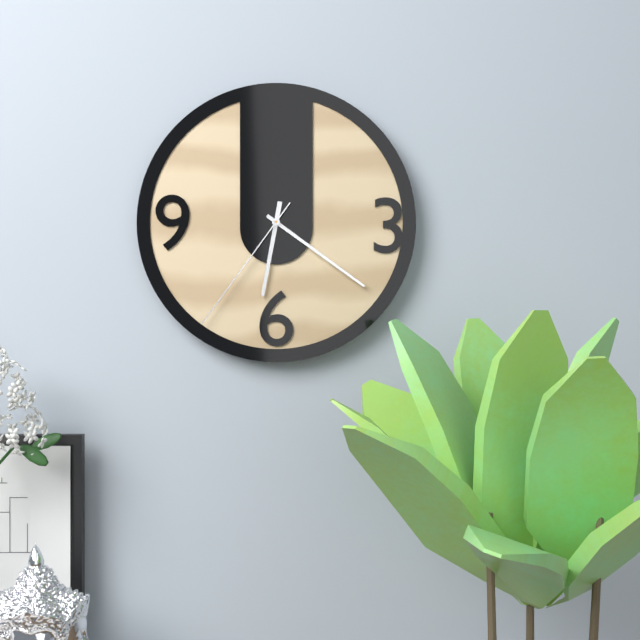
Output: 6h21m36s
